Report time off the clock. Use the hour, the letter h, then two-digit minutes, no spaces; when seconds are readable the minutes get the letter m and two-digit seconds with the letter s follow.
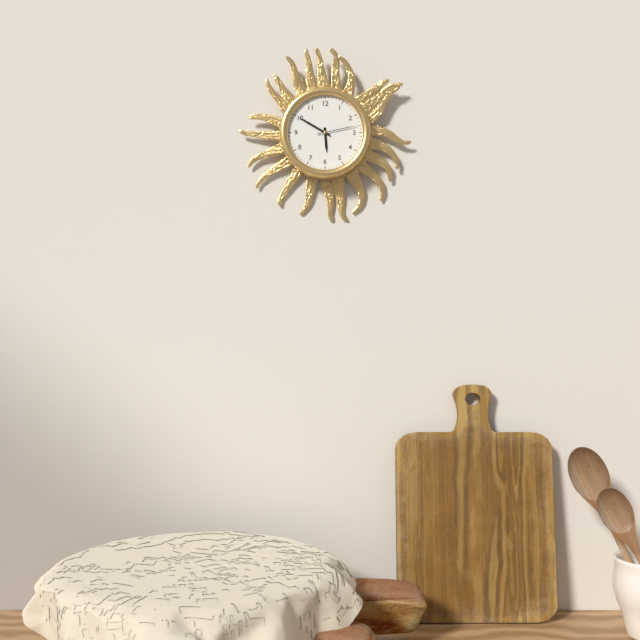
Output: 5h50
